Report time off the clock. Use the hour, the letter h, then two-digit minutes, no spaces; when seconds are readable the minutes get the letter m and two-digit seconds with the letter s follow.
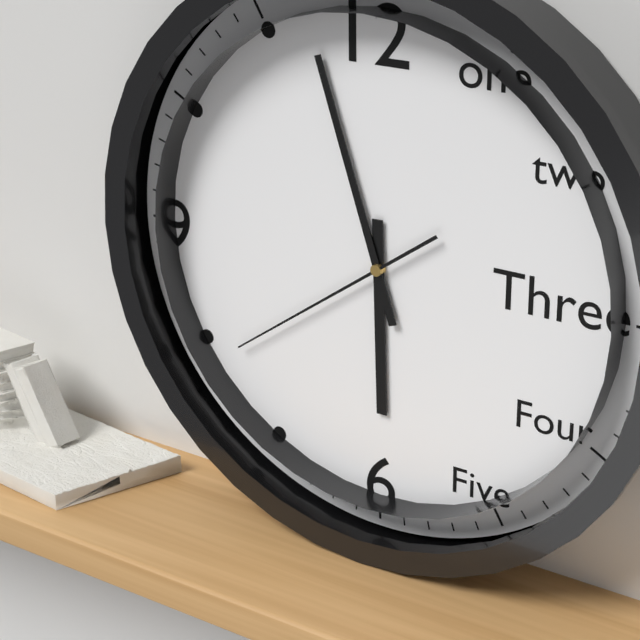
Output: 5h57m39s
